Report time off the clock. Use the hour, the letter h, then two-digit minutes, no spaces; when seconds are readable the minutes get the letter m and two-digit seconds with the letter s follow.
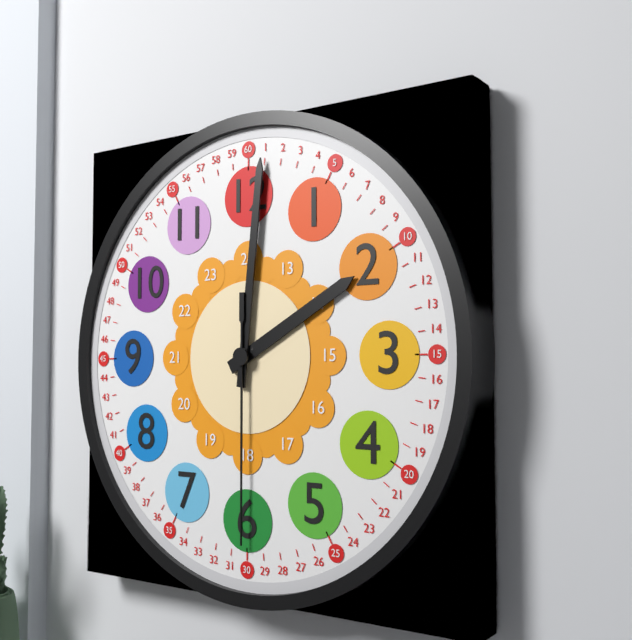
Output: 2h01m30s
